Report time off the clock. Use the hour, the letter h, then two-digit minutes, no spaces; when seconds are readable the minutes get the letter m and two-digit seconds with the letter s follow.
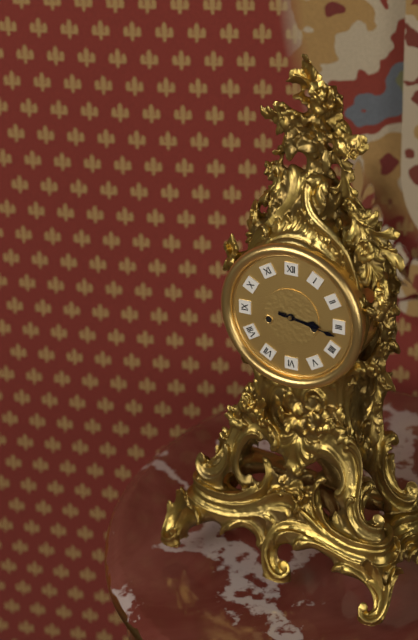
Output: 3h17
